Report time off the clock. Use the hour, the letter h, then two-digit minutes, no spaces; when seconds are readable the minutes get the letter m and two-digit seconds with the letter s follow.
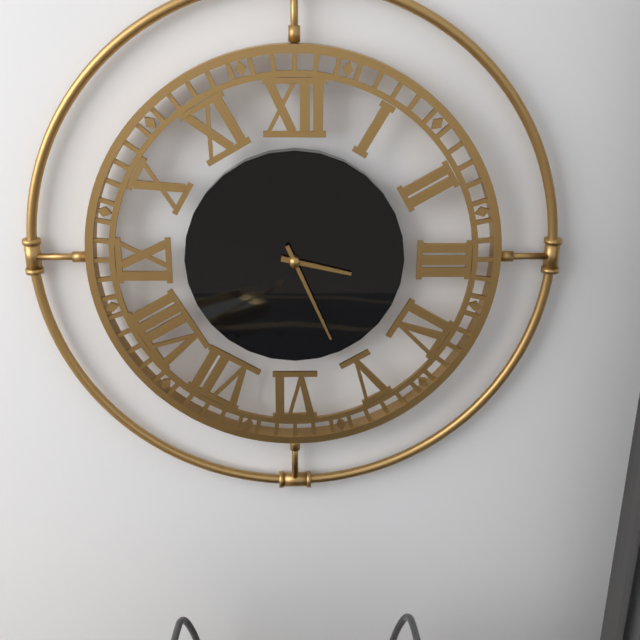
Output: 3h26
